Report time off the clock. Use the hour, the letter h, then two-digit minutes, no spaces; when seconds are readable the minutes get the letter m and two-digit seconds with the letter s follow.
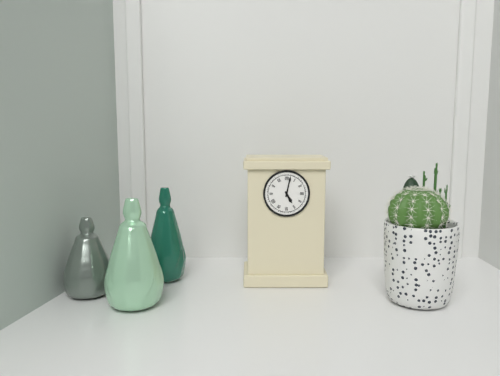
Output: 5h02
